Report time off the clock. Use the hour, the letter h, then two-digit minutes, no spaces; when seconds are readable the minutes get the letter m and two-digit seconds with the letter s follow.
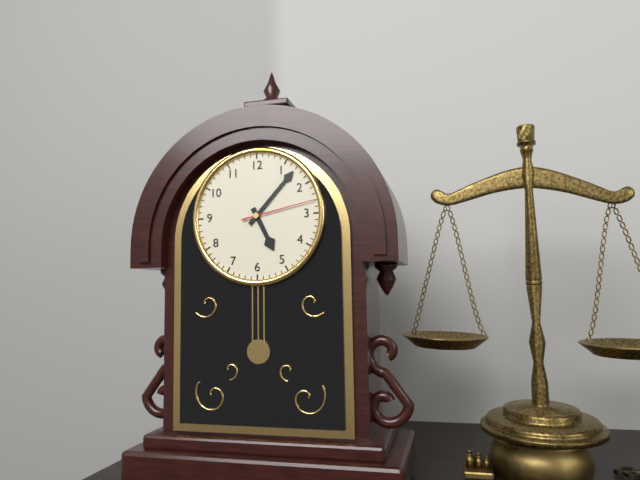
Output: 5h07m13s
